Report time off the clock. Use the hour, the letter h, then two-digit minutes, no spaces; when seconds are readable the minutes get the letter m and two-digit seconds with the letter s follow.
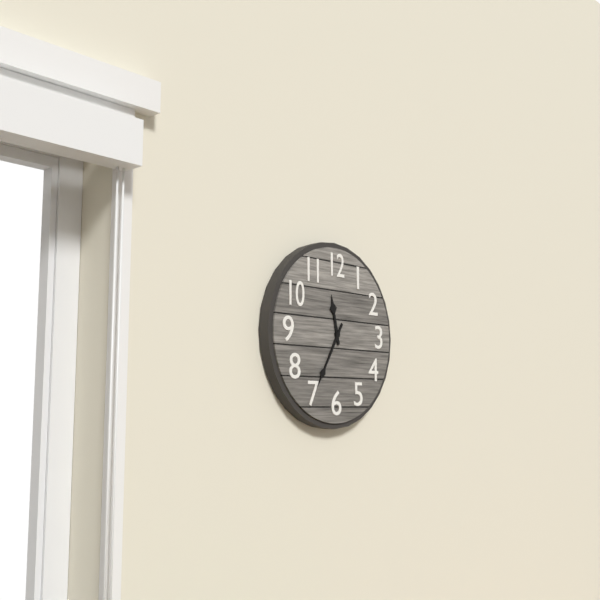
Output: 11h35
